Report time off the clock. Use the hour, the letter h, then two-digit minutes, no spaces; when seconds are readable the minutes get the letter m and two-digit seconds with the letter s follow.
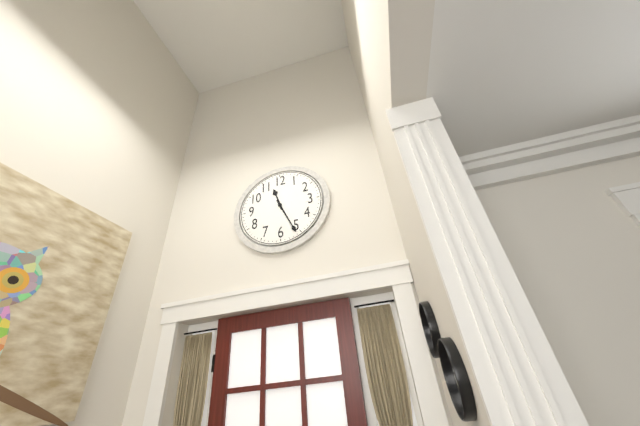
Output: 11h26
